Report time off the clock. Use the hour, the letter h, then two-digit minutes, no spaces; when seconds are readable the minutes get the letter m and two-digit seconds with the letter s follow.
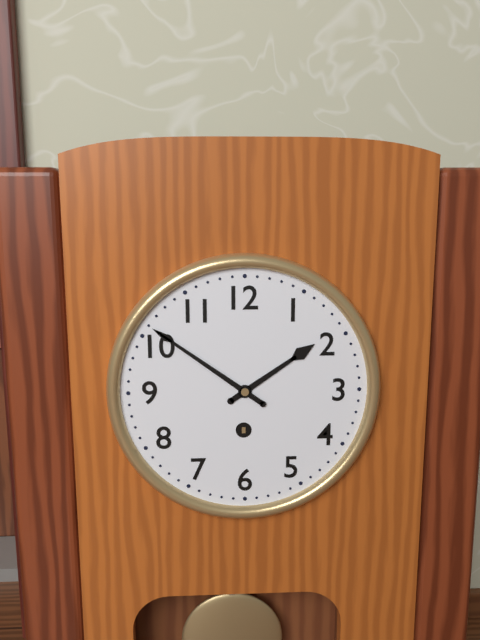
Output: 1h51
